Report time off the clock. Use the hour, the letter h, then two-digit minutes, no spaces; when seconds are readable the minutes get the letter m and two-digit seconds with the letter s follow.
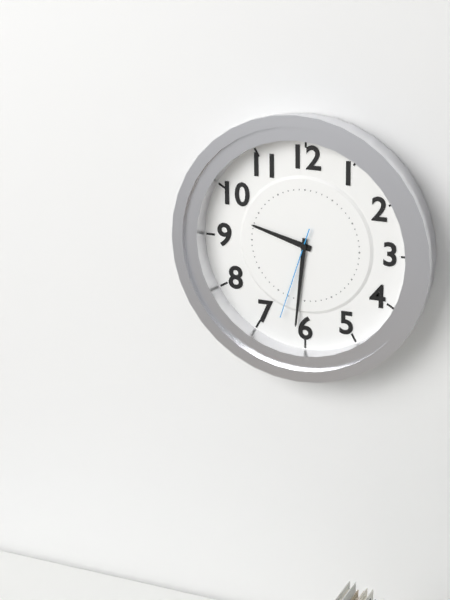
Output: 9h31m33s
